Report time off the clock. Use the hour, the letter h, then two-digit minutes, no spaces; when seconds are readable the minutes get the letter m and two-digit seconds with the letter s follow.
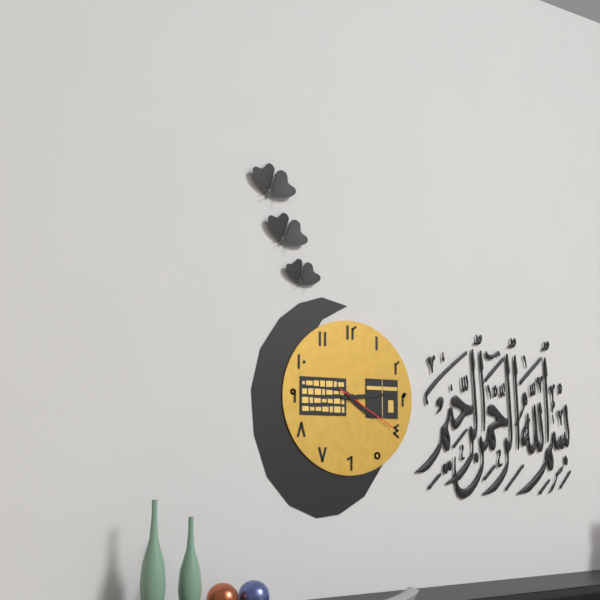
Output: 4h14m20s
